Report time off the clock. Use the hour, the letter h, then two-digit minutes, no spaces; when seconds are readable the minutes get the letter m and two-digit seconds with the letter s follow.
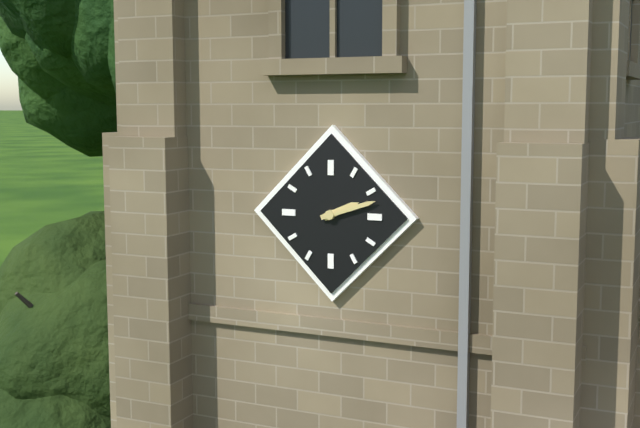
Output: 2h12
